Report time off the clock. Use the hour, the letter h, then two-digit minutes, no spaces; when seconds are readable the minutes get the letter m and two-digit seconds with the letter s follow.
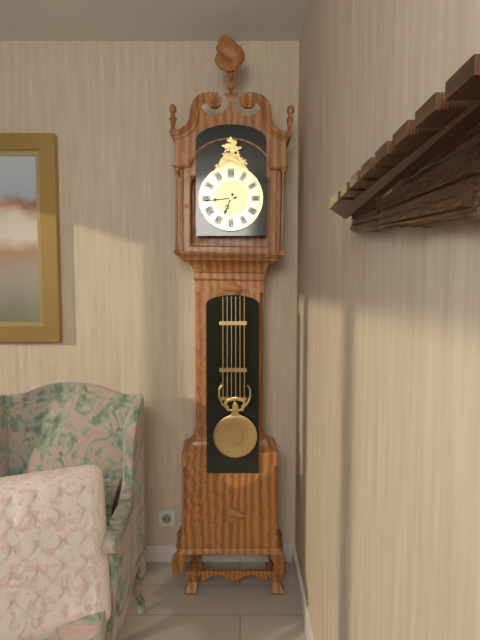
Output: 6h44
